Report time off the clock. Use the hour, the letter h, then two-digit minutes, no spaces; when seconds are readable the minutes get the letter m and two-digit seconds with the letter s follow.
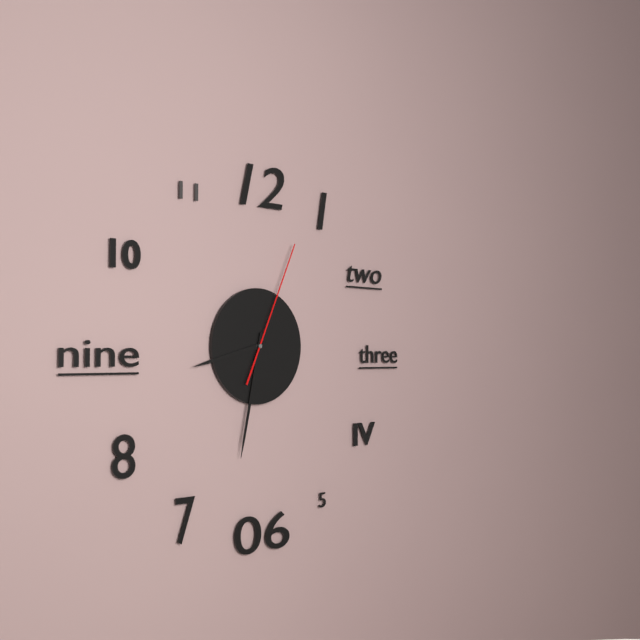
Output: 8h32m04s
